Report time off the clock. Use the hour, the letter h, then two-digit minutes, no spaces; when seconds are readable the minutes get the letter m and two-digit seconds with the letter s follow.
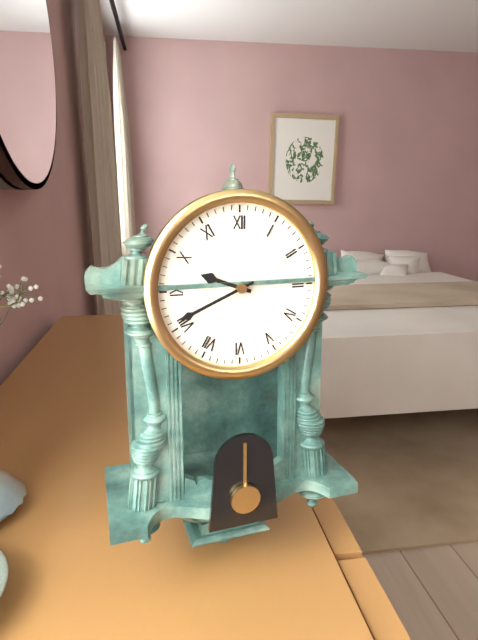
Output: 9h41
